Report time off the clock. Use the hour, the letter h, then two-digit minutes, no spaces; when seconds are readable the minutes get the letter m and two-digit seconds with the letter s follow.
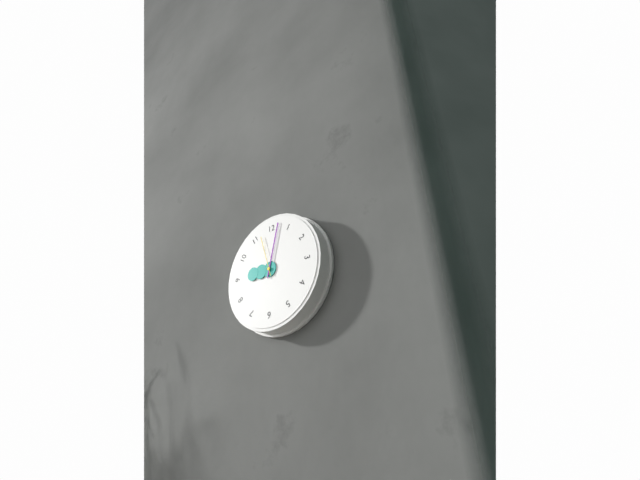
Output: 9h02m57s
